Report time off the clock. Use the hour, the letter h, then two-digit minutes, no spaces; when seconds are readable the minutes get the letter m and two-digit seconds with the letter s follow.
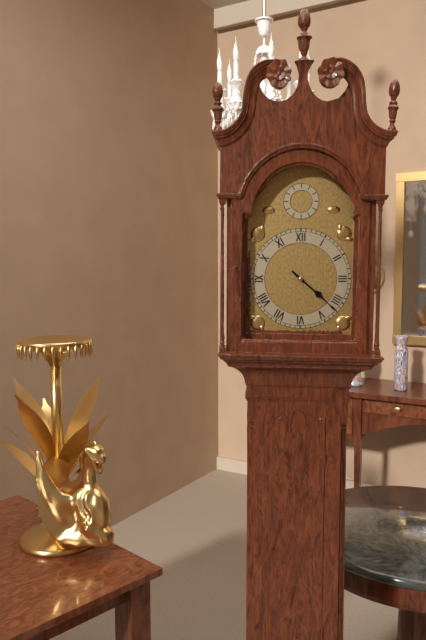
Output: 4h22
